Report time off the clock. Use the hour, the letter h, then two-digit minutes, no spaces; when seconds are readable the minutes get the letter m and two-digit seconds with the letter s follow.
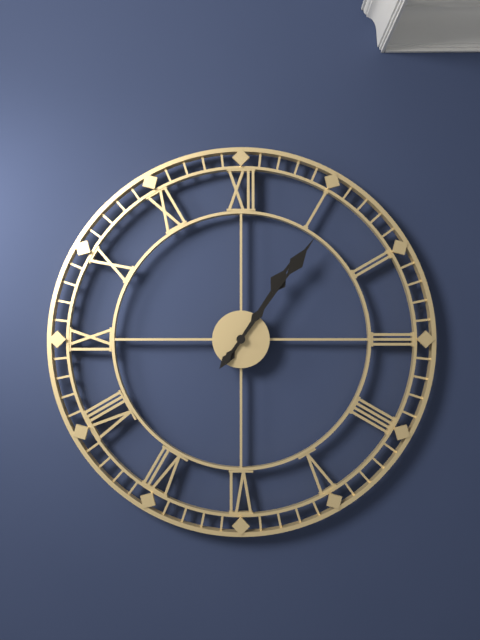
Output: 1h06
